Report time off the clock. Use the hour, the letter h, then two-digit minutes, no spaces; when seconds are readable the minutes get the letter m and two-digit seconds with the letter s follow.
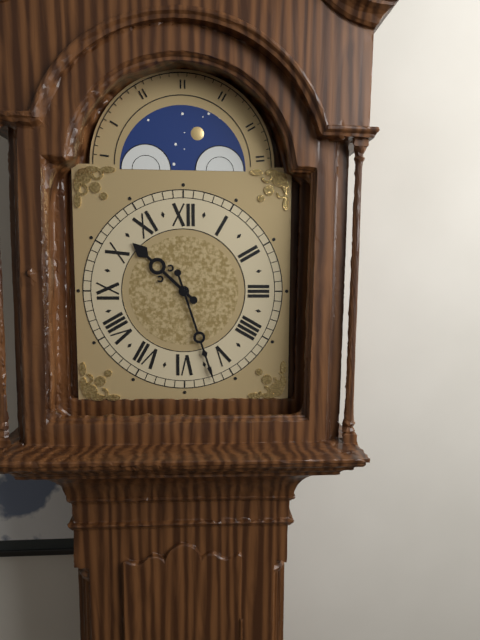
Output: 10h27
